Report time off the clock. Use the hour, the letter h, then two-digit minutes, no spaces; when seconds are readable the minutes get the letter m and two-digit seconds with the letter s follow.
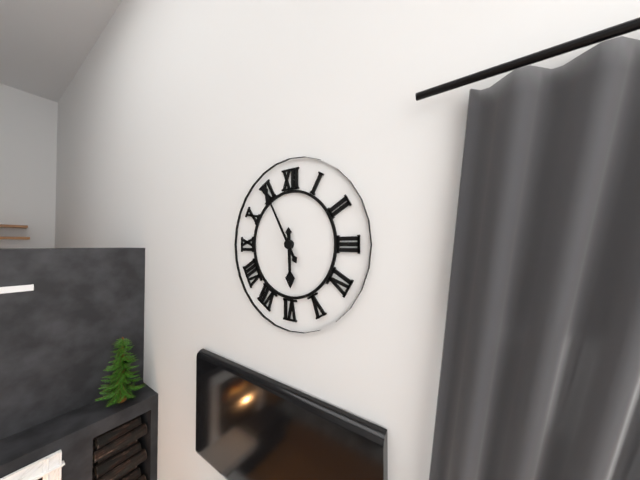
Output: 5h55
